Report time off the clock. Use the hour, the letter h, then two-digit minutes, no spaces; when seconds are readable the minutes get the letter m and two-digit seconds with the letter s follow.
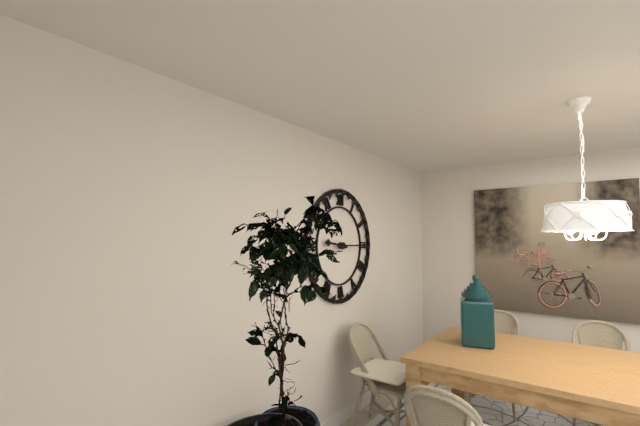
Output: 9h15
